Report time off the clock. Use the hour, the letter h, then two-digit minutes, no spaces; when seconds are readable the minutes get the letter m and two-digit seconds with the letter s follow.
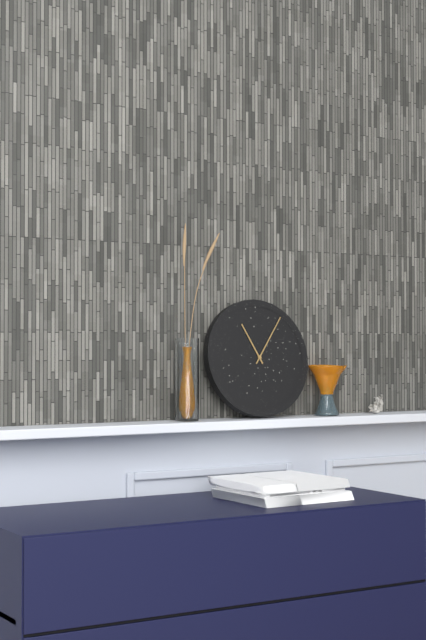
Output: 11h06
